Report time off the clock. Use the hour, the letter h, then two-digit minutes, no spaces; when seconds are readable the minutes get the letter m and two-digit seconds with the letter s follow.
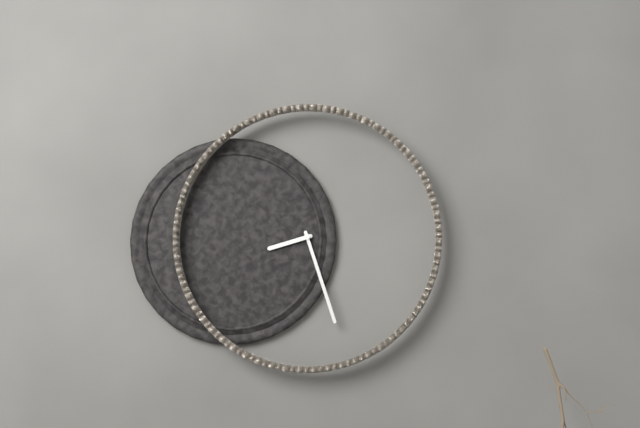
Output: 8h27
